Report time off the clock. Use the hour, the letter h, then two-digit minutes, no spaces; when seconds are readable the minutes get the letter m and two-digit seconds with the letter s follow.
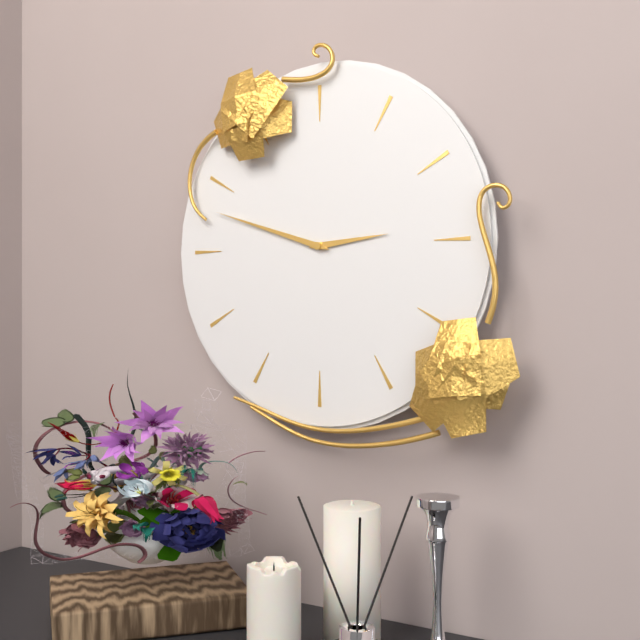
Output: 2h48
